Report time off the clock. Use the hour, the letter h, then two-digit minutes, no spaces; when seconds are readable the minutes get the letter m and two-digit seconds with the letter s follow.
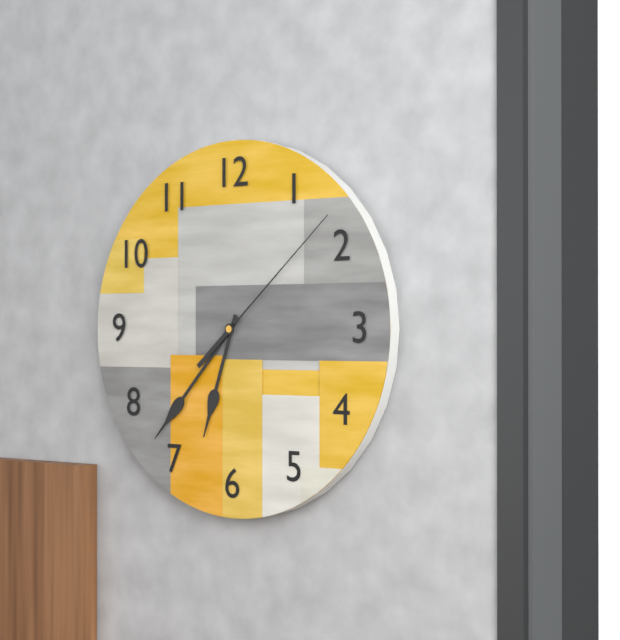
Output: 6h37m08s
